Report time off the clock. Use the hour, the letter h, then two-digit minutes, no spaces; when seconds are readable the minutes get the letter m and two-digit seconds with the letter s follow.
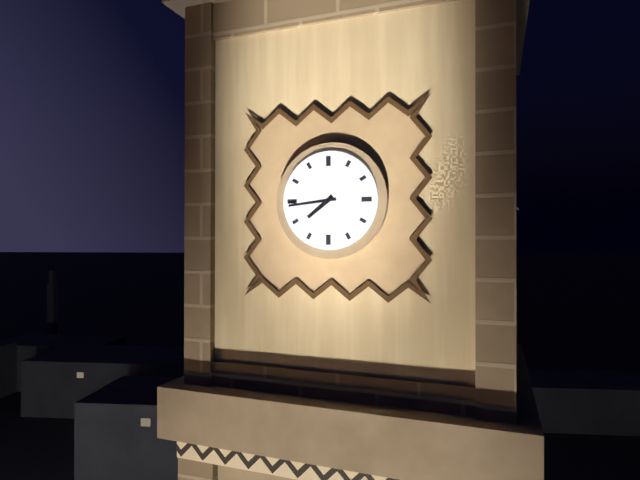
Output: 7h44
